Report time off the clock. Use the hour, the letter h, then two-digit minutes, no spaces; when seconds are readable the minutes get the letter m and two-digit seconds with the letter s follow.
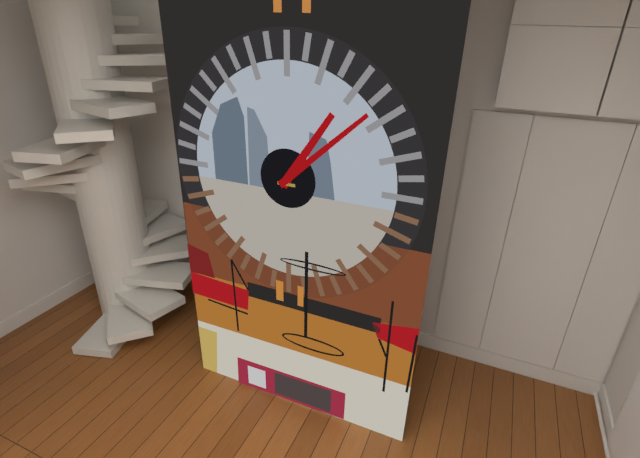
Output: 1h08
